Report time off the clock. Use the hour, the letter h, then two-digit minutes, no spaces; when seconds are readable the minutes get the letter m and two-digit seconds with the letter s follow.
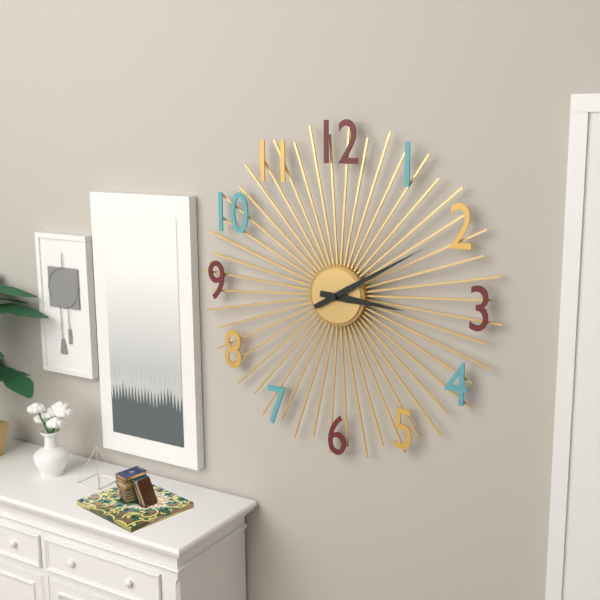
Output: 3h10
